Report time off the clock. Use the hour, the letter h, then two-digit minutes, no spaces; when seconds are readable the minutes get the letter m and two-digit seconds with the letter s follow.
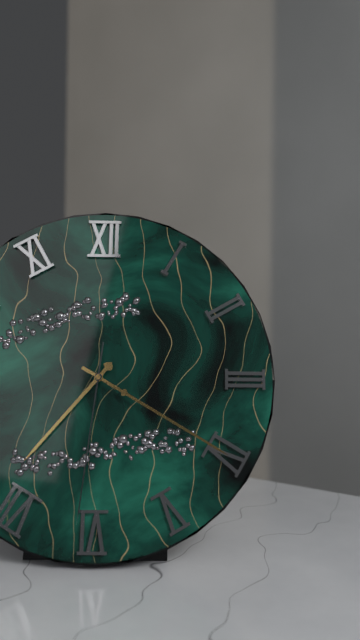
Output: 7h20m31s
